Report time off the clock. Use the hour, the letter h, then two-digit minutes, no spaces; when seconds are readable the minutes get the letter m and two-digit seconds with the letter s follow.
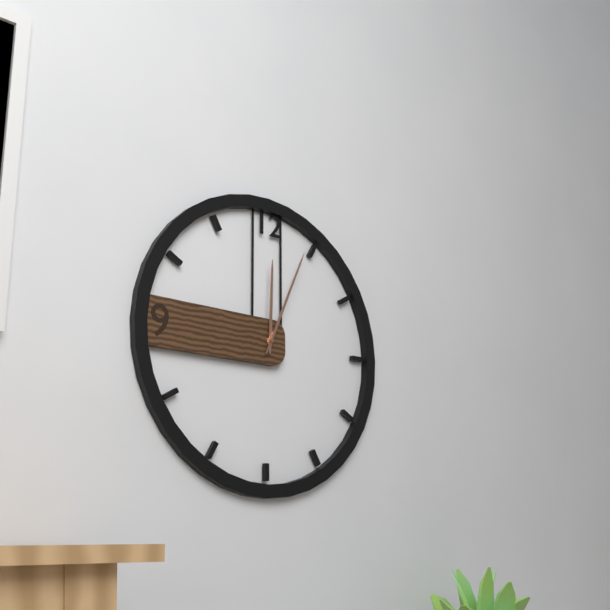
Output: 12h04
